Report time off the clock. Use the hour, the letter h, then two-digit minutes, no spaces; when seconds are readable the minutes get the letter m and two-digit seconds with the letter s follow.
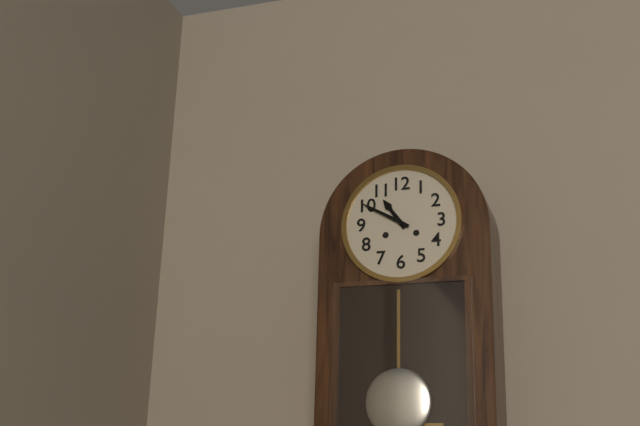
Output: 10h50
